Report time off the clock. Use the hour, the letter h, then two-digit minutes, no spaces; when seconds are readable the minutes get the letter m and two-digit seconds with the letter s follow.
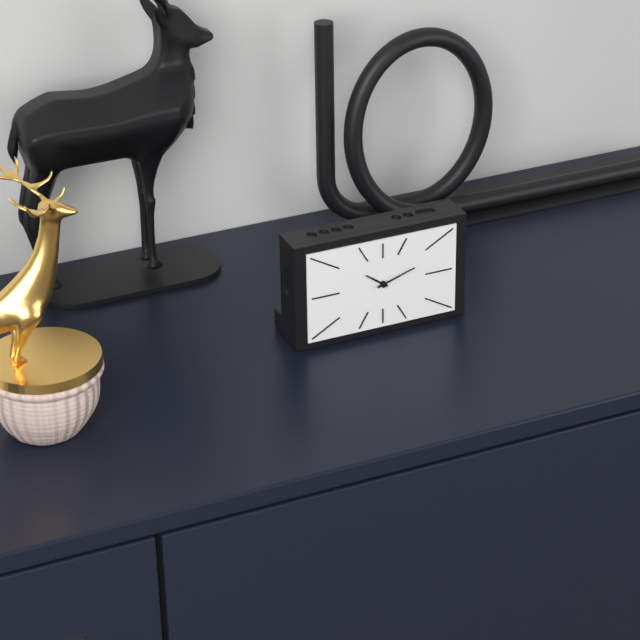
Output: 10h12
